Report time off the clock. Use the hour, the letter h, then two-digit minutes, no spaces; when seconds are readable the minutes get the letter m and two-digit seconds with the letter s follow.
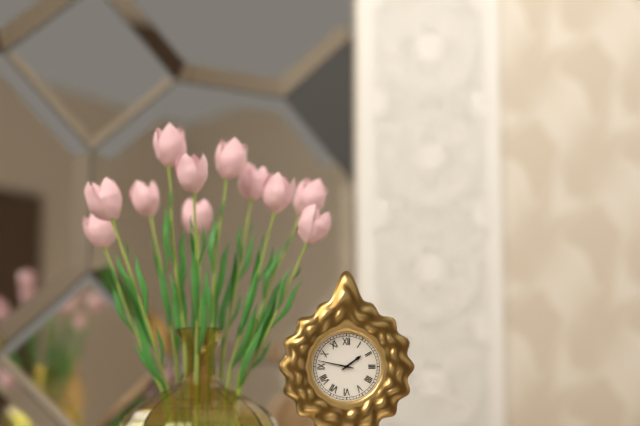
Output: 1h47
